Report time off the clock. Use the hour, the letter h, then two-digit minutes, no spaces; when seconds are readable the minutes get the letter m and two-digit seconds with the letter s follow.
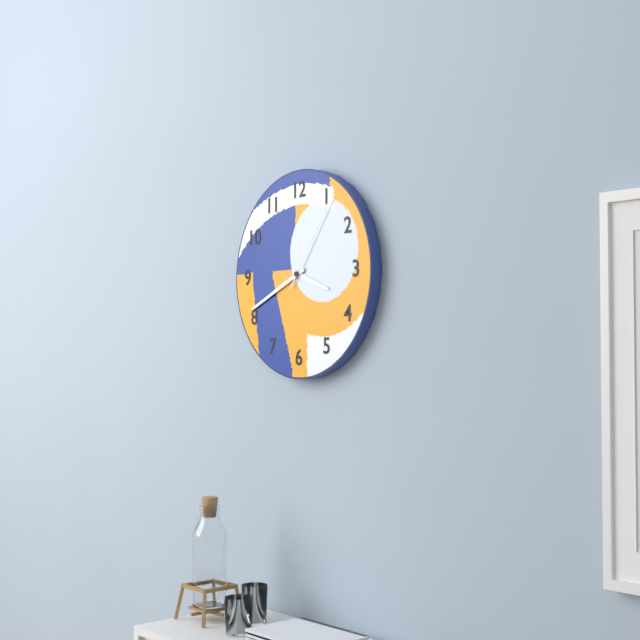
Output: 3h41m06s
